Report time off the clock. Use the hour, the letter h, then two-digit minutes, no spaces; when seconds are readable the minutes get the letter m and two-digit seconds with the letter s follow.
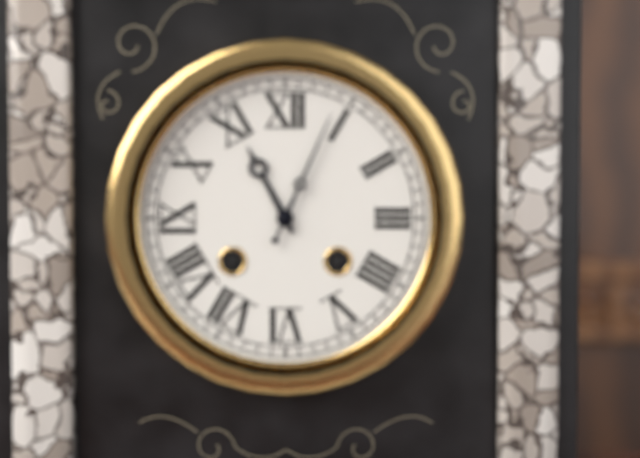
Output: 11h04
